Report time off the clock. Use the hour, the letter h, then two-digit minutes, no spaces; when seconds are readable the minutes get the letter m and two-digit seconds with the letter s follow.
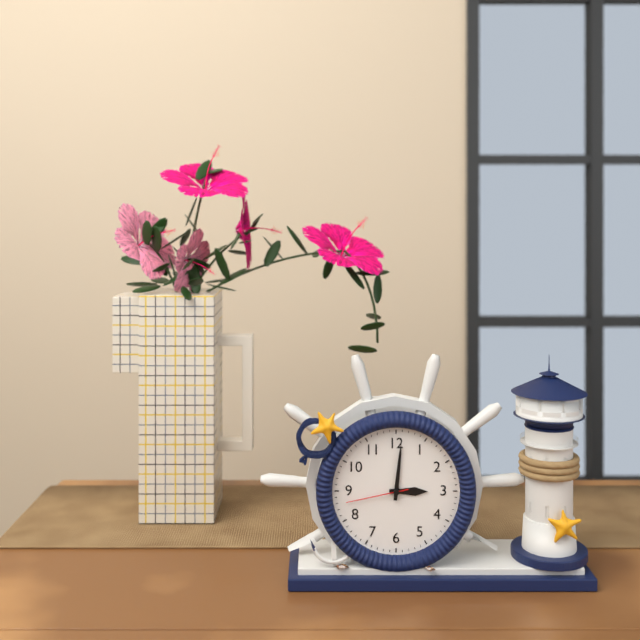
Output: 3h01m43s
